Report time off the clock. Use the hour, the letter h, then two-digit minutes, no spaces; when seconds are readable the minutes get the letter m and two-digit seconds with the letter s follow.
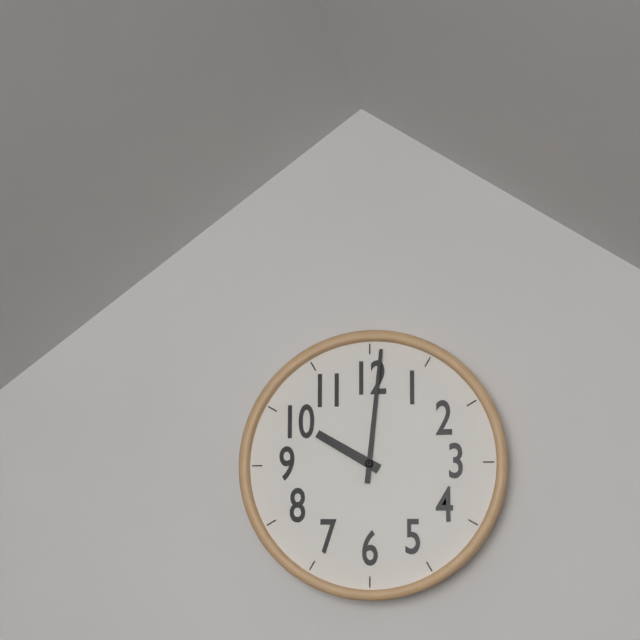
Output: 10h01
